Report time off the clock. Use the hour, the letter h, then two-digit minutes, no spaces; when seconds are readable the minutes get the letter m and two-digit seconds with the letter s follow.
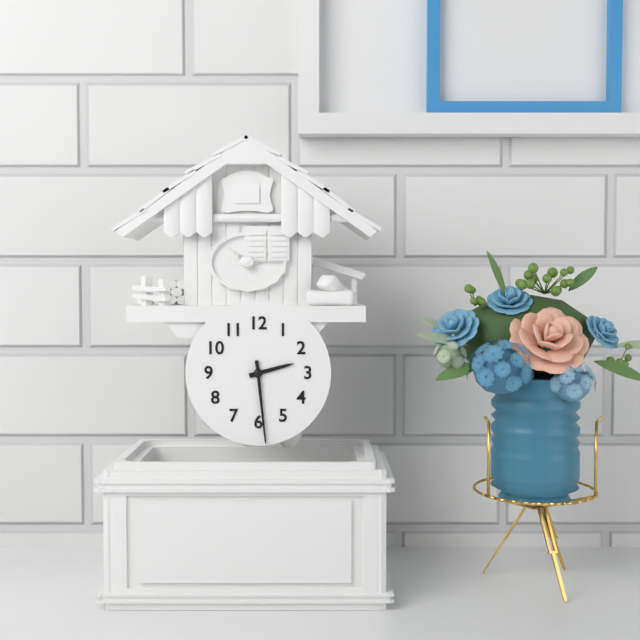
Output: 2h29
